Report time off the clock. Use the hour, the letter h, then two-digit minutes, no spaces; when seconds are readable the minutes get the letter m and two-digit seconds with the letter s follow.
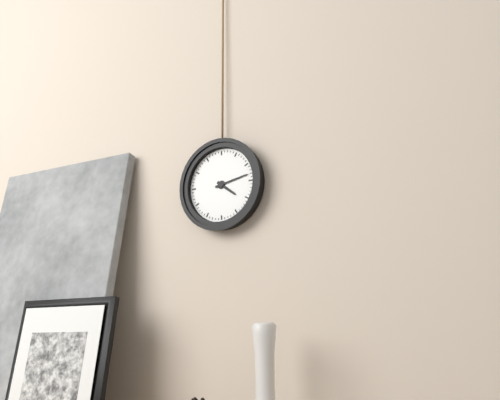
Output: 4h13
